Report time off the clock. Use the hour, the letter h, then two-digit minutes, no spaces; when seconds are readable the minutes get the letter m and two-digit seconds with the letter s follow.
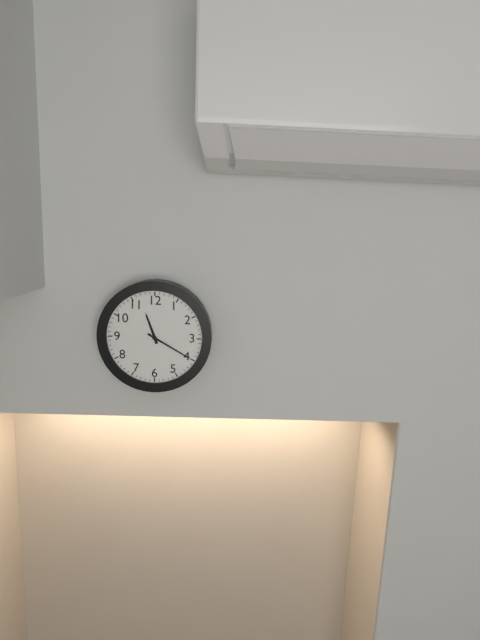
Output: 11h20
